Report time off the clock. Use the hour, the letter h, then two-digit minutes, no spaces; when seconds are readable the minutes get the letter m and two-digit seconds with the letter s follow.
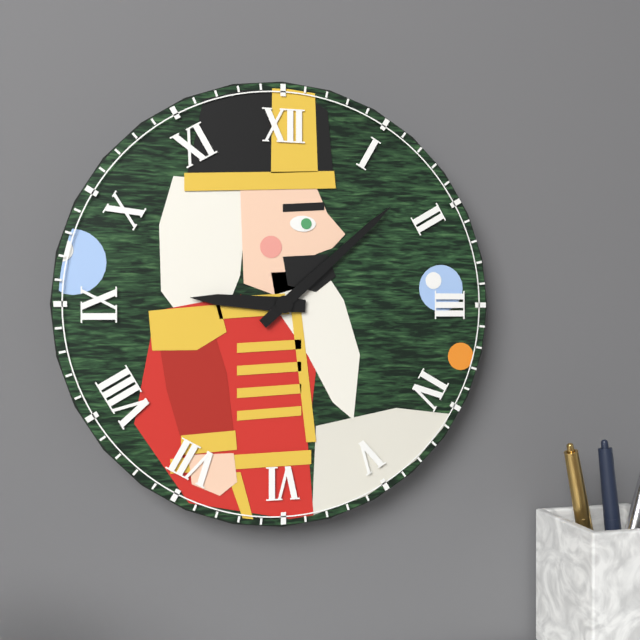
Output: 9h08
